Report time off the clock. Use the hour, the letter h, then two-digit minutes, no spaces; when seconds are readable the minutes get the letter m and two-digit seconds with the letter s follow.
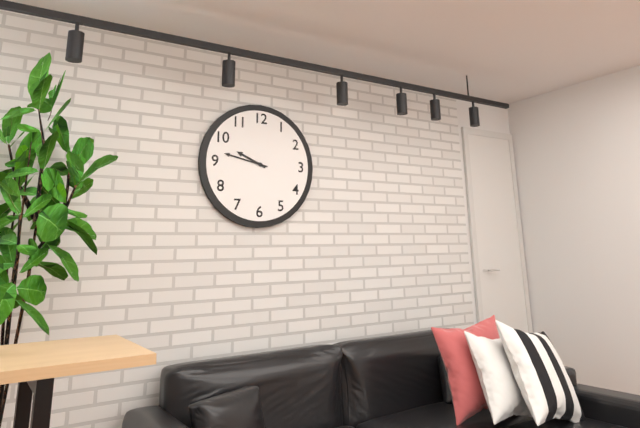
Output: 9h47
